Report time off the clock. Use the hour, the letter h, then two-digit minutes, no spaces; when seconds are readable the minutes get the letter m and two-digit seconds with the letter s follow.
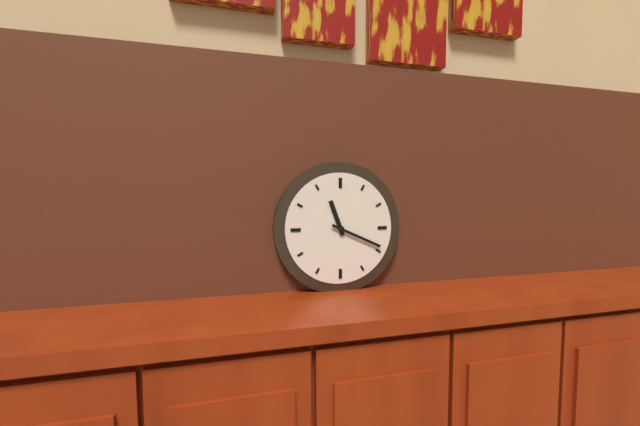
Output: 11h19
